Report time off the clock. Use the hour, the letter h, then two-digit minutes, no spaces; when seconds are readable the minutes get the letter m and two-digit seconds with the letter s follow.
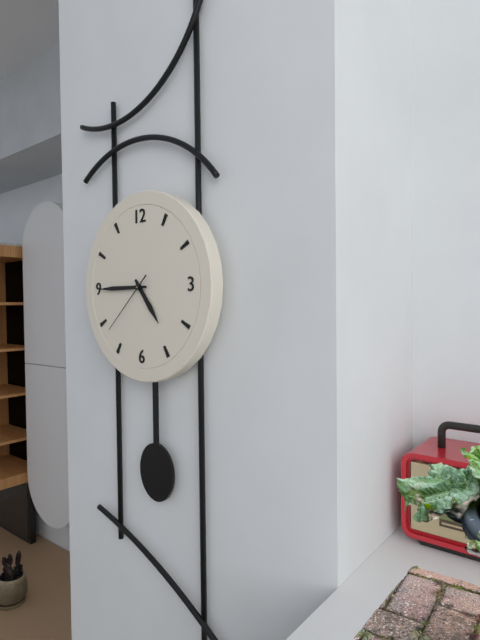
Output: 4h45m38s
